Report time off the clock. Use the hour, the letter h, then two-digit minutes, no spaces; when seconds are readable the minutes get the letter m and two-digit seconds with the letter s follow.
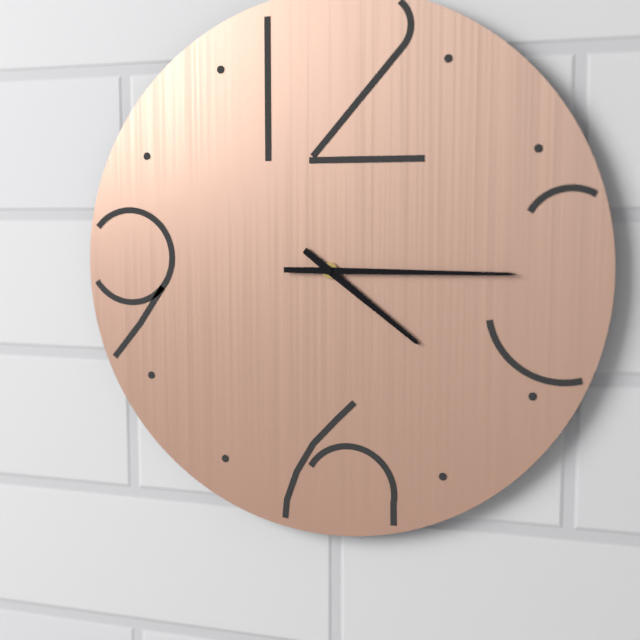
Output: 4h15
